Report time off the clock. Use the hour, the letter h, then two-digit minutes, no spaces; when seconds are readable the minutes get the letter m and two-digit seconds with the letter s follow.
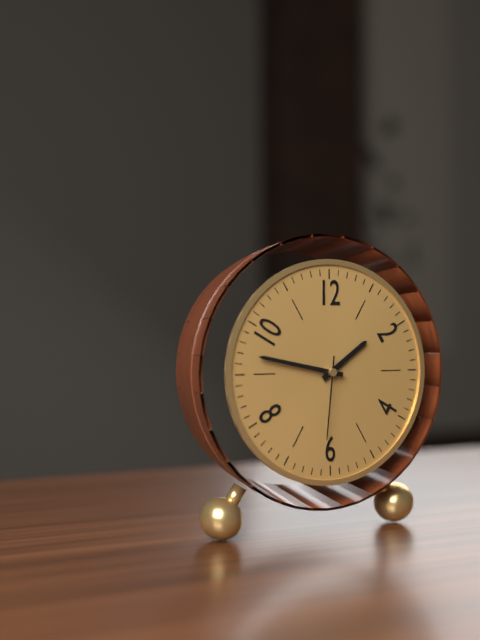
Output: 1h47m31s
